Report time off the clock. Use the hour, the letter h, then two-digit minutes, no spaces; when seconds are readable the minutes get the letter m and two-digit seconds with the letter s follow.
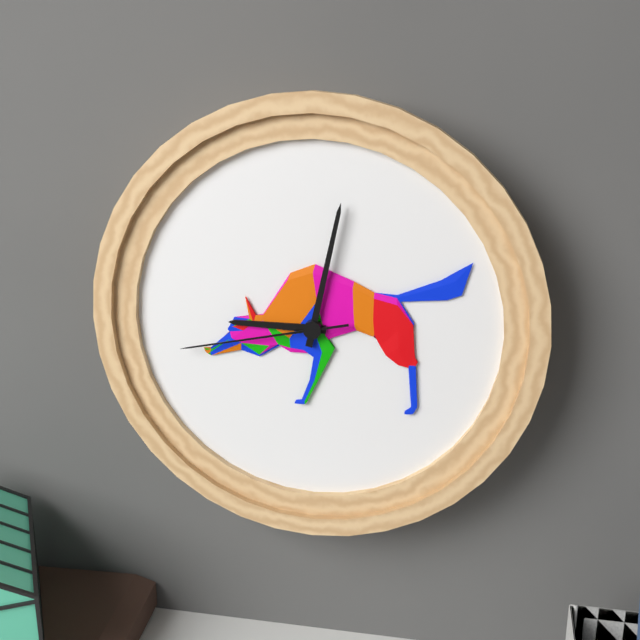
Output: 9h02m43s
